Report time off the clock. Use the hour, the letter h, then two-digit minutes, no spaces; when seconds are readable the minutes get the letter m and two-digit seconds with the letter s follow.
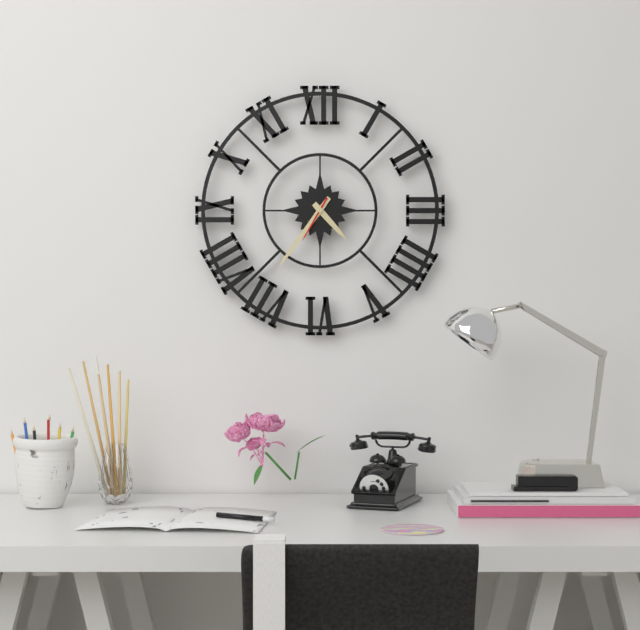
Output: 4h36
